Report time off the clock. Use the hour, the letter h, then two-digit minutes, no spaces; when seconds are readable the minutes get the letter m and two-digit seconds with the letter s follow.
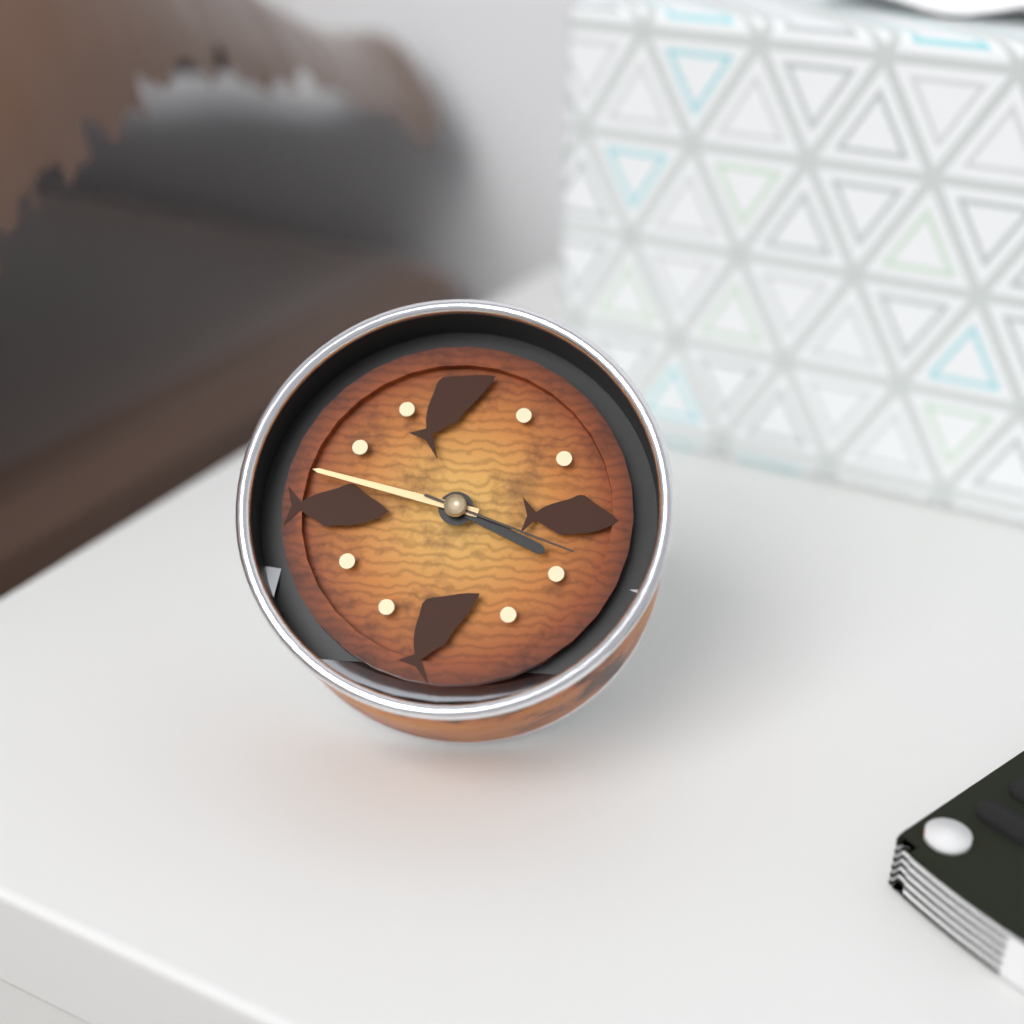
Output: 3h47m18s
